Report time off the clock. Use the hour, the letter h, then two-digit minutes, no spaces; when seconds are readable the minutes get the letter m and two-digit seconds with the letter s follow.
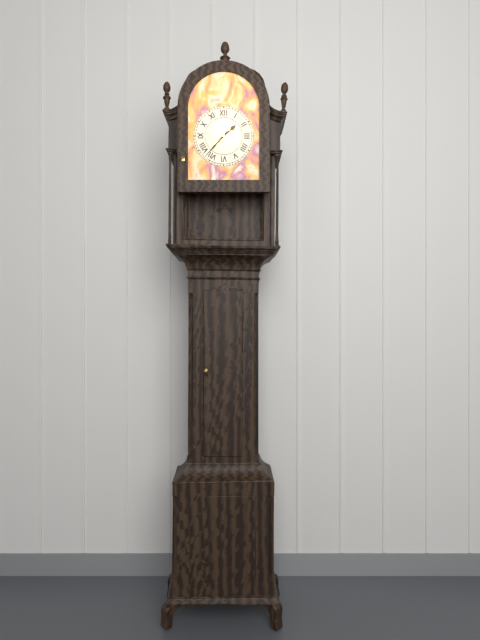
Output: 1h37
